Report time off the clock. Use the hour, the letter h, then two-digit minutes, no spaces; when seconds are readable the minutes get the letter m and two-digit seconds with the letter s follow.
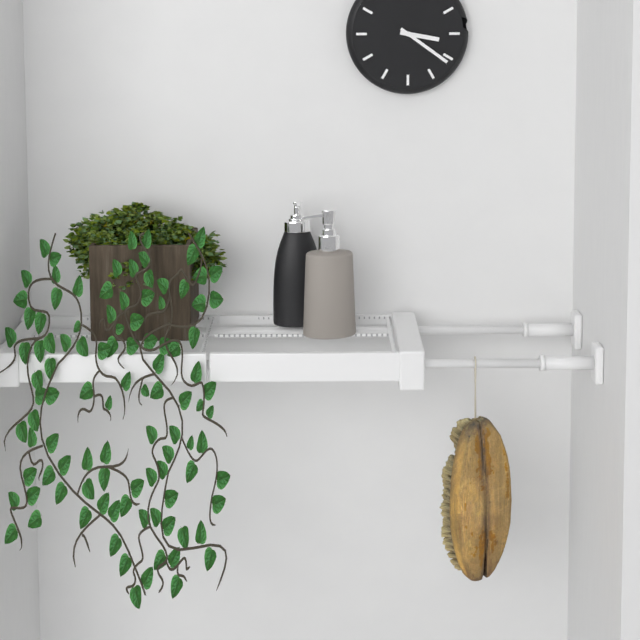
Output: 3h21
